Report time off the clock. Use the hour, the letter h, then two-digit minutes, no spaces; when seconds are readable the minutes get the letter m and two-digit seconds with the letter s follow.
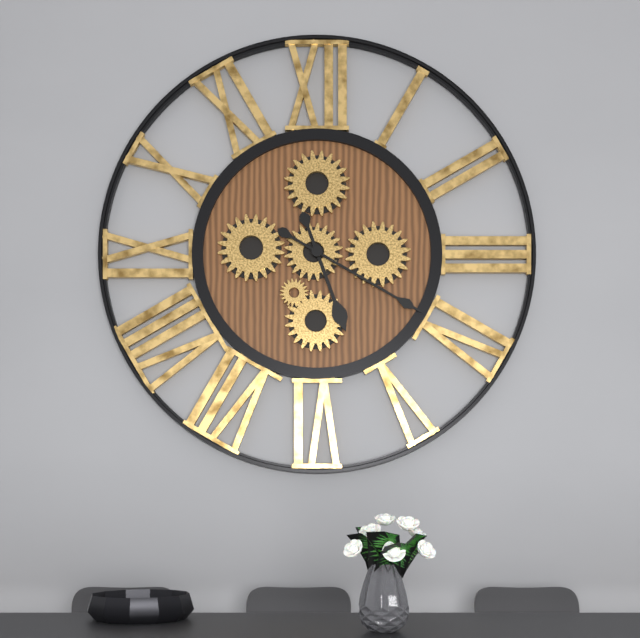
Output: 5h20
